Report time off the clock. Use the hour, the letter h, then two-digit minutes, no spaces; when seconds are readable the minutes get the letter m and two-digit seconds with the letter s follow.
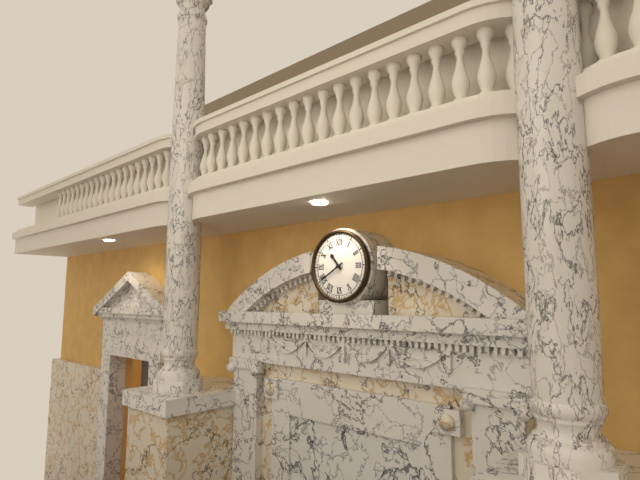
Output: 10h40
